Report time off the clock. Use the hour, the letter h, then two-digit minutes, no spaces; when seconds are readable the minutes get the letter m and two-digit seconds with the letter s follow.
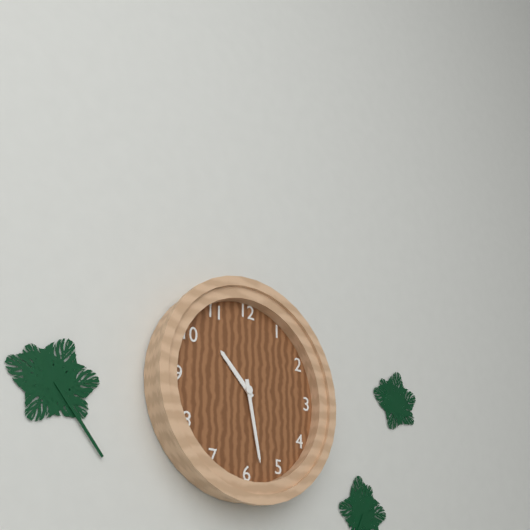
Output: 10h28
